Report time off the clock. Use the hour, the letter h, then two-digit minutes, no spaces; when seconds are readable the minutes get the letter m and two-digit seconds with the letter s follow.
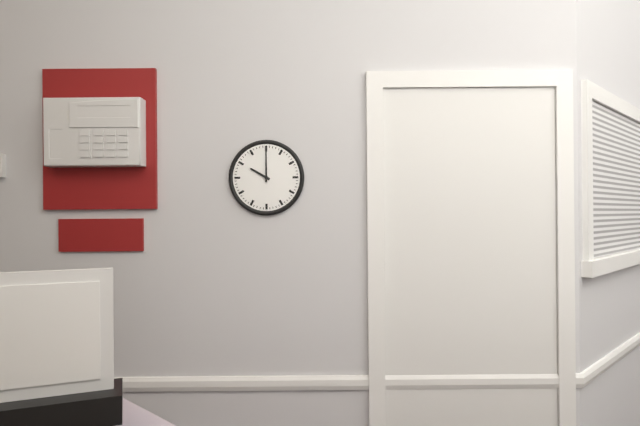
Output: 10h00
